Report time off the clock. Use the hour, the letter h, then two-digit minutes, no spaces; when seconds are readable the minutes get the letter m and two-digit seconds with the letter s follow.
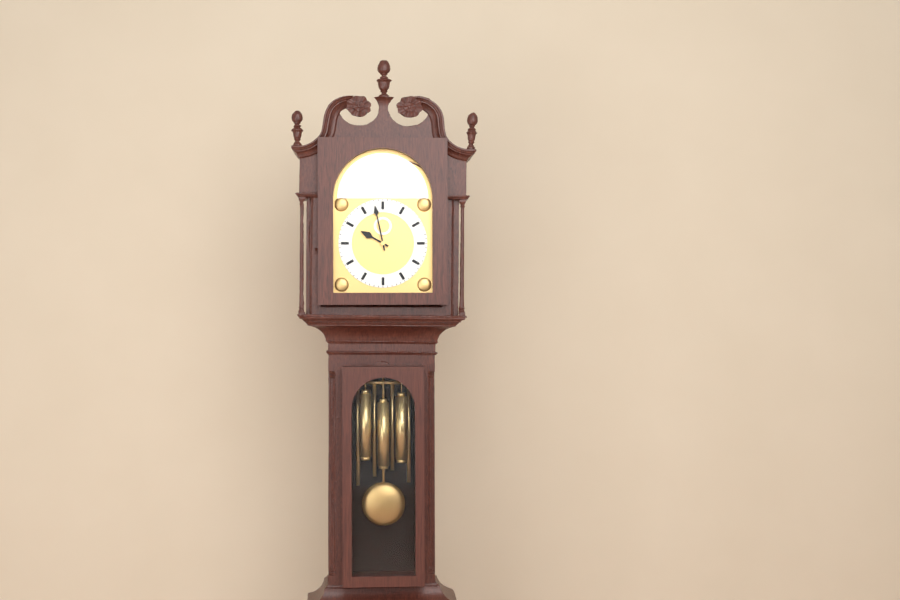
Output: 9h58
